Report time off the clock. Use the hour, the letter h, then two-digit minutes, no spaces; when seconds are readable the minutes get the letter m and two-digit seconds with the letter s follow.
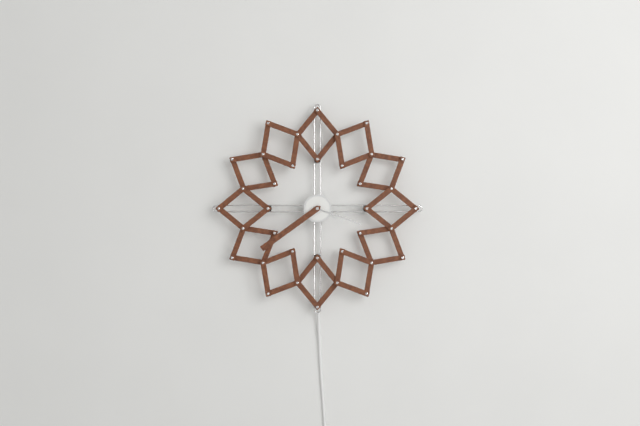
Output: 3h39
